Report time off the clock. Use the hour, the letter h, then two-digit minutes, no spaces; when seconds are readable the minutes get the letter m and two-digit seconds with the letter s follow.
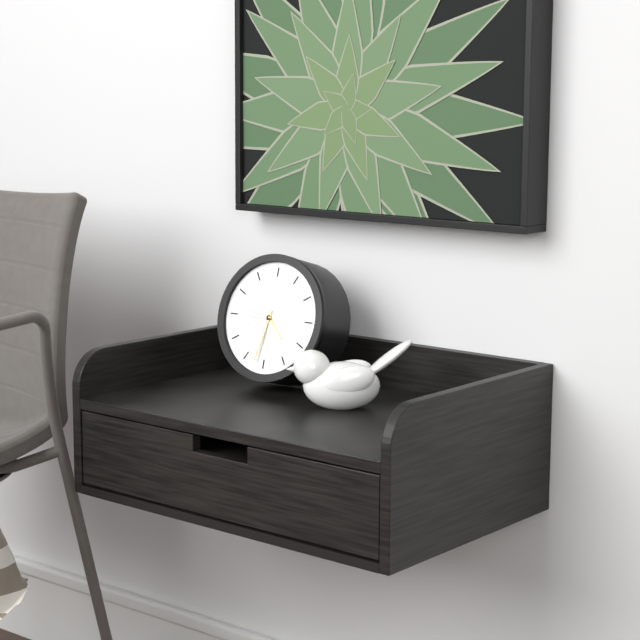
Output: 4h32
